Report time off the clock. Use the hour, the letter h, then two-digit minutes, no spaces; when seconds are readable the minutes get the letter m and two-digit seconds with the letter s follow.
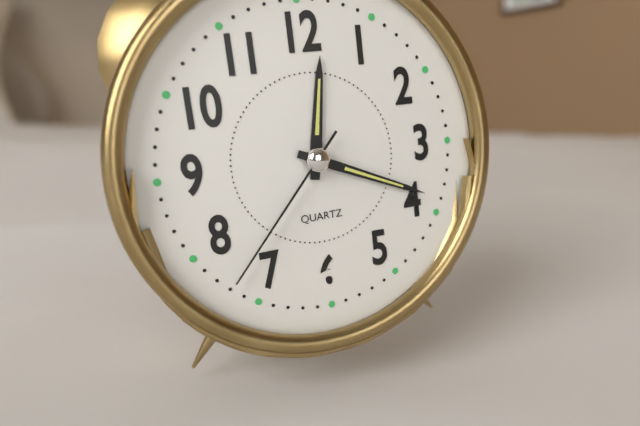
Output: 12h19m37s
